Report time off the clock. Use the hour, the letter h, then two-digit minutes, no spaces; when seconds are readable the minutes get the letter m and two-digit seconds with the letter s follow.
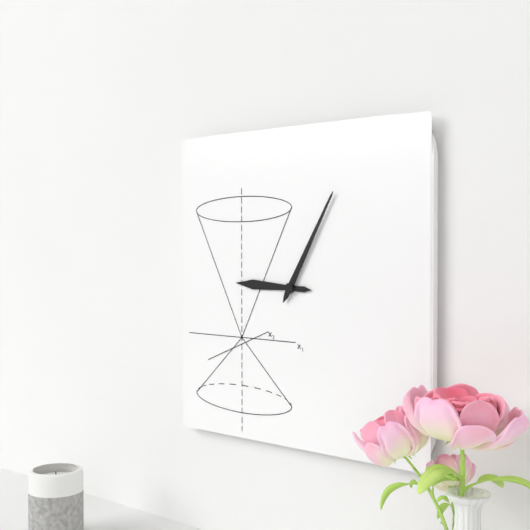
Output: 9h05
